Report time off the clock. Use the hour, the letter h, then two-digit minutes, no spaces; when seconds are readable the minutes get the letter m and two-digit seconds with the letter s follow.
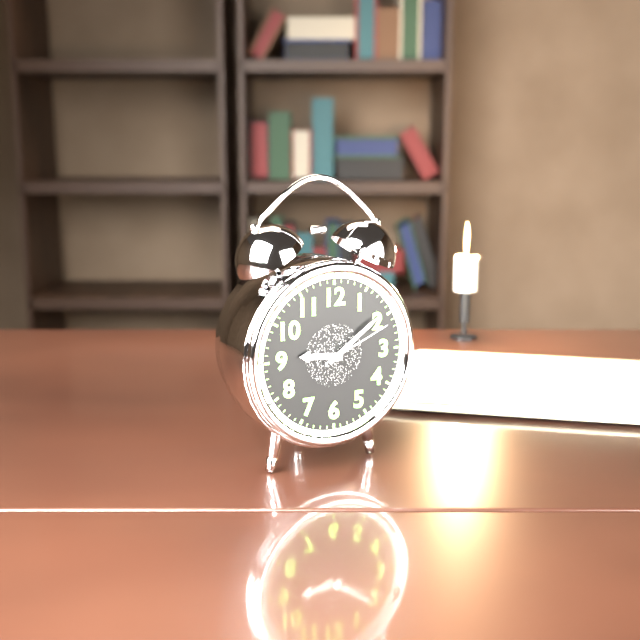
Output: 9h09m11s
